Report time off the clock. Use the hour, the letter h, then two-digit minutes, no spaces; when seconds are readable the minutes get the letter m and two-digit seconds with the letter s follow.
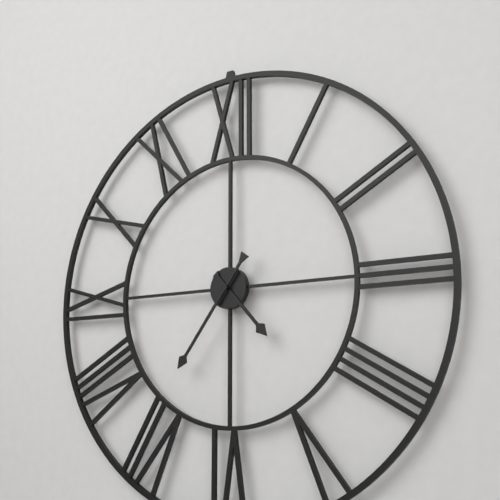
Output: 4h36
